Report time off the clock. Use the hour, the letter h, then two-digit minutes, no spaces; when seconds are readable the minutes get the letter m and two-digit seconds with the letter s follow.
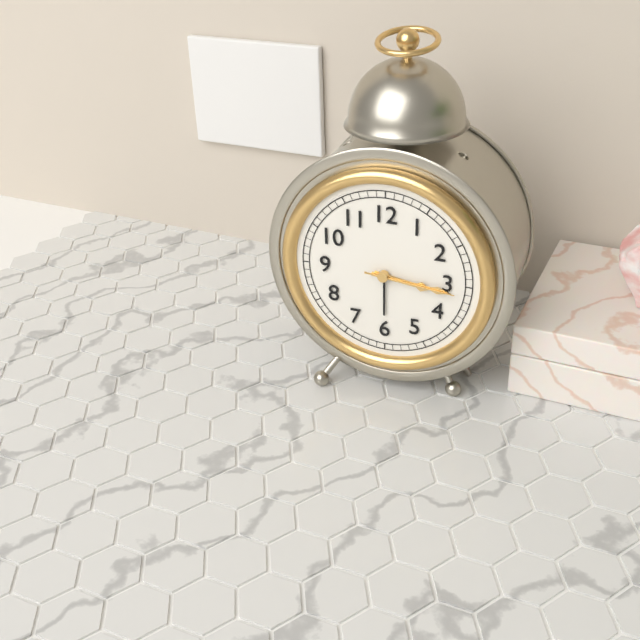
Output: 3h16m16s
